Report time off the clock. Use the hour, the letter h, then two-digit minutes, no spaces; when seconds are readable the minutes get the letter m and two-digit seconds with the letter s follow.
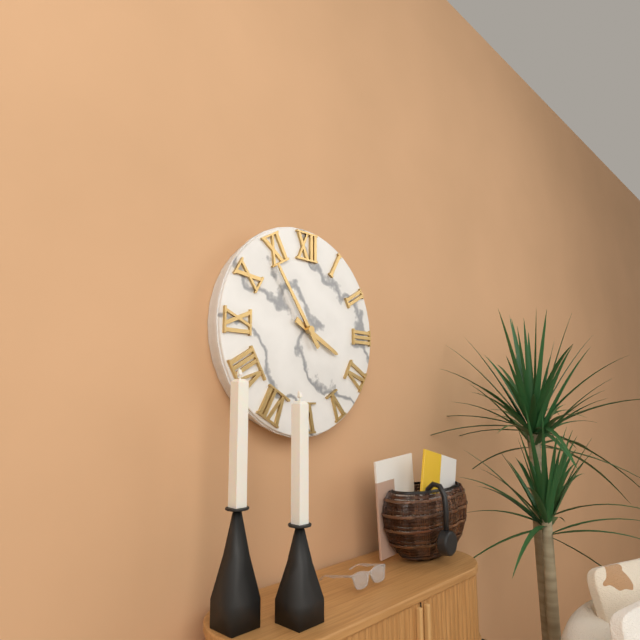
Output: 3h54
